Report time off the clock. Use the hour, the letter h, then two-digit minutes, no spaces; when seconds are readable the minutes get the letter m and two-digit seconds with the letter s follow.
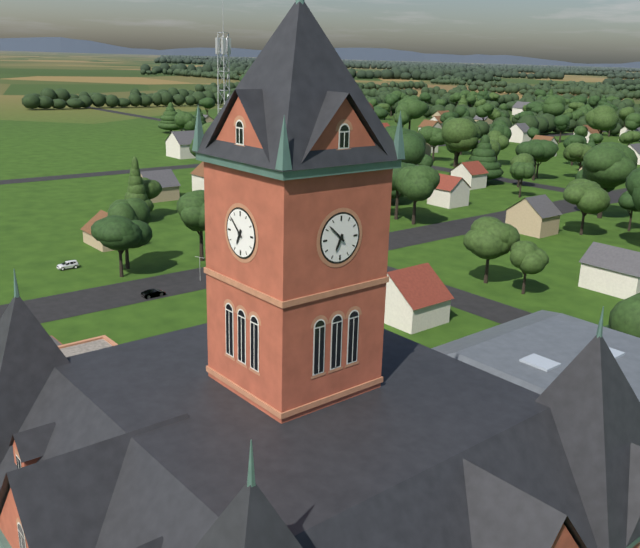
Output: 6h52
